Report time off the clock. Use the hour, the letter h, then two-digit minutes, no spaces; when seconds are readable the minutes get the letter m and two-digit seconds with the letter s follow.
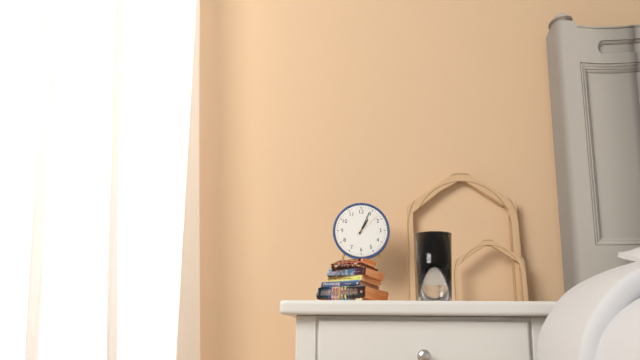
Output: 1h04
